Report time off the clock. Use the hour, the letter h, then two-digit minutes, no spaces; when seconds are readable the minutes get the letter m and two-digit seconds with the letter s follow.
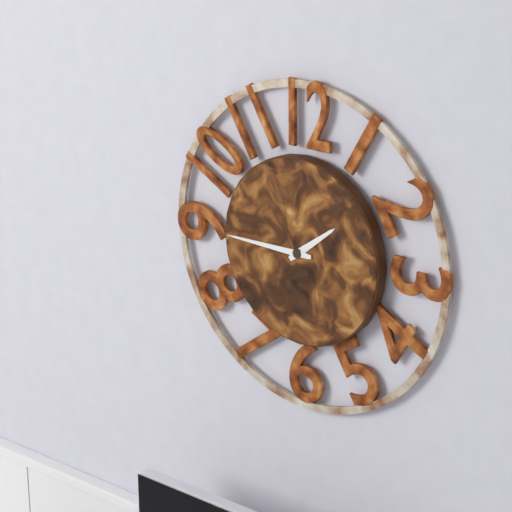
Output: 1h45
